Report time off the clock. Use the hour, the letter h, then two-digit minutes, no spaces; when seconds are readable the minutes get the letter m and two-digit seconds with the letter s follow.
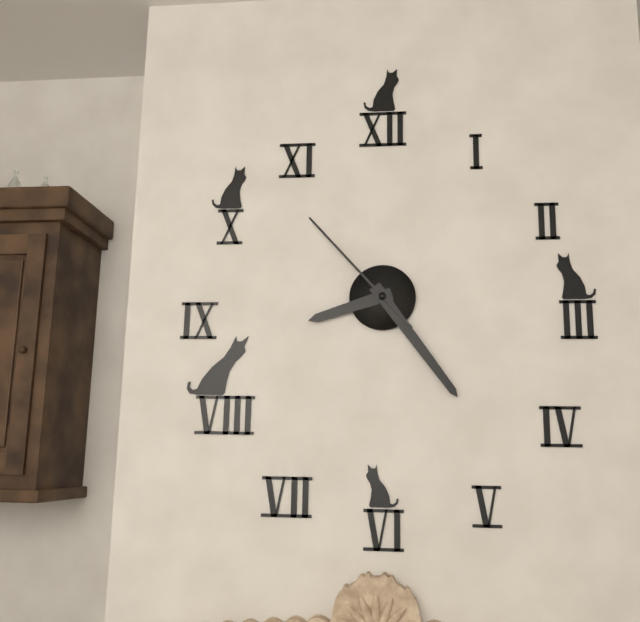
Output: 8h24m53s
